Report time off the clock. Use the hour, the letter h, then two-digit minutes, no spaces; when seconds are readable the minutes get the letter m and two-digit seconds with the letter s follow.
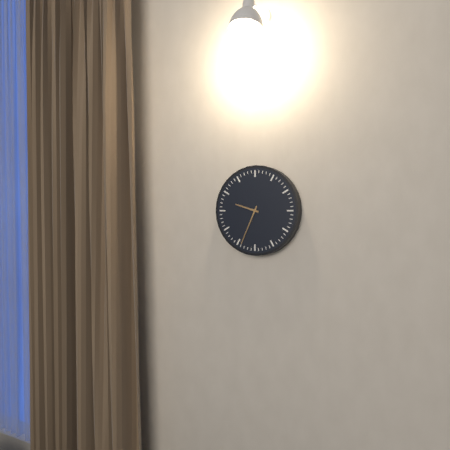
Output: 9h34
